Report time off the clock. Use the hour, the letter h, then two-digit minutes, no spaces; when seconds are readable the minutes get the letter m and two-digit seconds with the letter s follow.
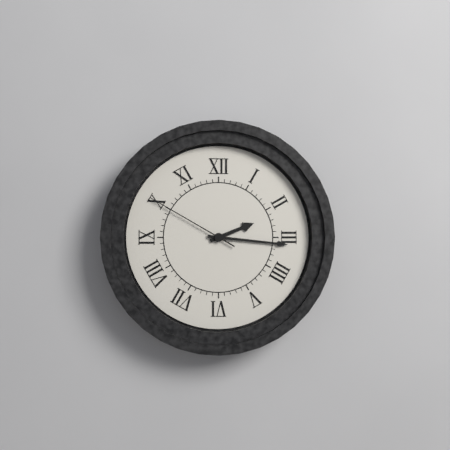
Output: 2h16m50s
